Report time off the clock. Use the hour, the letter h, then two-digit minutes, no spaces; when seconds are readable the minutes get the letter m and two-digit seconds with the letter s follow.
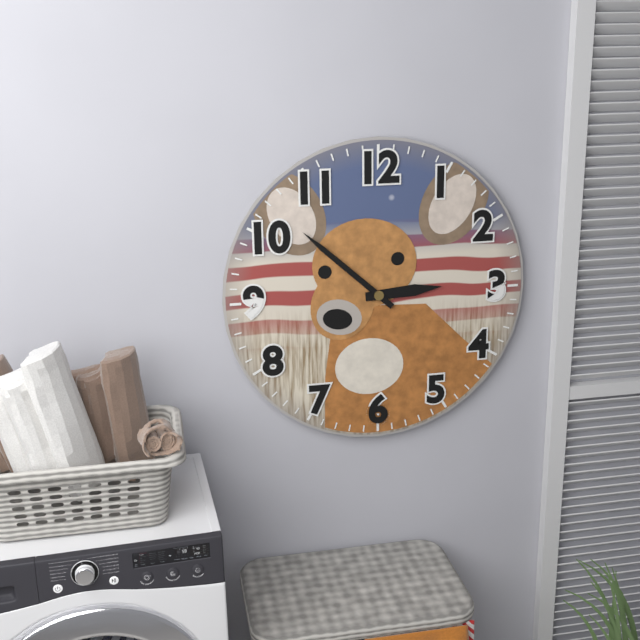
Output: 2h52
